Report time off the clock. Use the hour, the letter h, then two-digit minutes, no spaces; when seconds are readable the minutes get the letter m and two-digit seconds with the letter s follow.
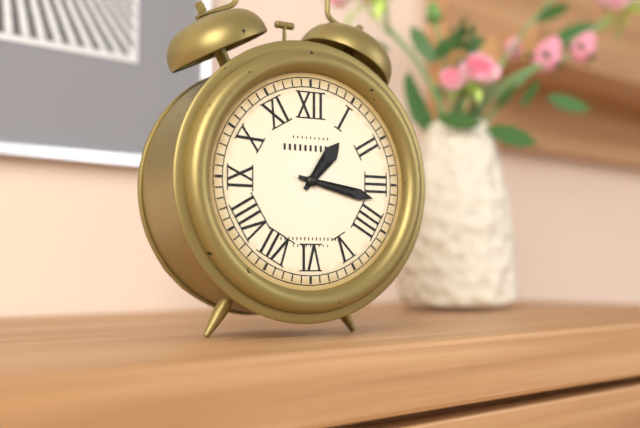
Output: 1h17
